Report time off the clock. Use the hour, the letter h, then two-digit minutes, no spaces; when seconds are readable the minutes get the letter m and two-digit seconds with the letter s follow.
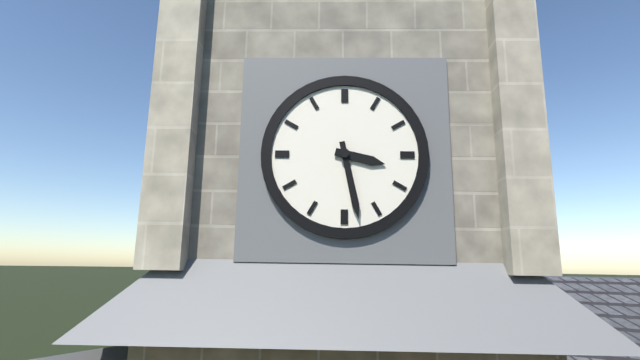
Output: 3h28
